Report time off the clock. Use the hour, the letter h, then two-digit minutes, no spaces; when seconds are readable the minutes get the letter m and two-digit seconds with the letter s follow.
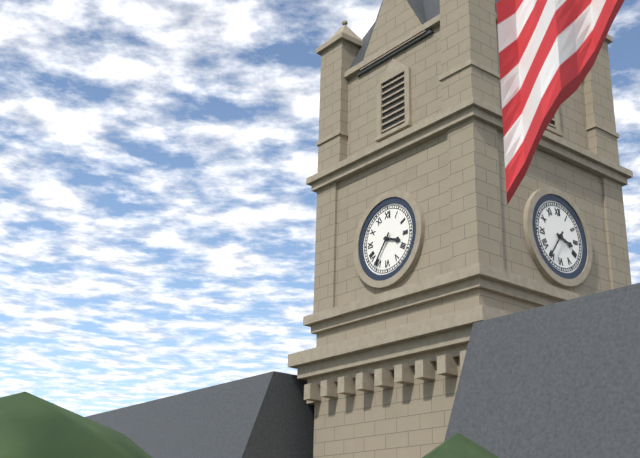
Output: 3h36
